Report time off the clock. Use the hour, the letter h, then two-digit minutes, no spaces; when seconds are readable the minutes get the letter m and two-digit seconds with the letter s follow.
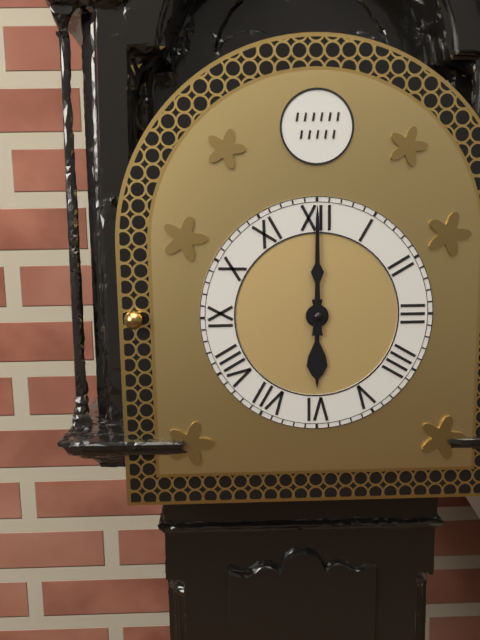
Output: 6h00
